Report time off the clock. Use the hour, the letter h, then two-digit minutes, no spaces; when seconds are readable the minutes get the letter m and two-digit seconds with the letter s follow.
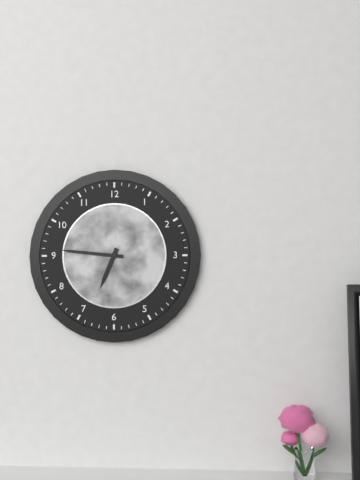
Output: 6h46
